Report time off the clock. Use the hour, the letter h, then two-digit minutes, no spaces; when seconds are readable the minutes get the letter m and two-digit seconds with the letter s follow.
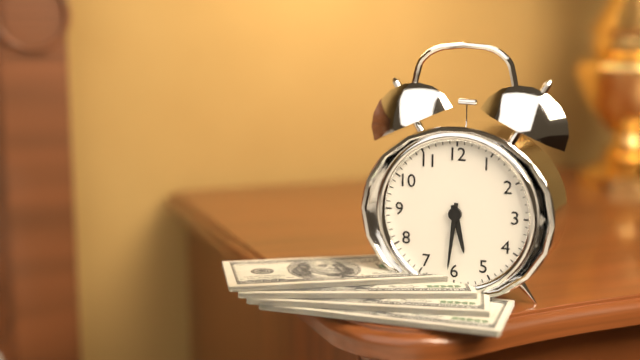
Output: 5h31
